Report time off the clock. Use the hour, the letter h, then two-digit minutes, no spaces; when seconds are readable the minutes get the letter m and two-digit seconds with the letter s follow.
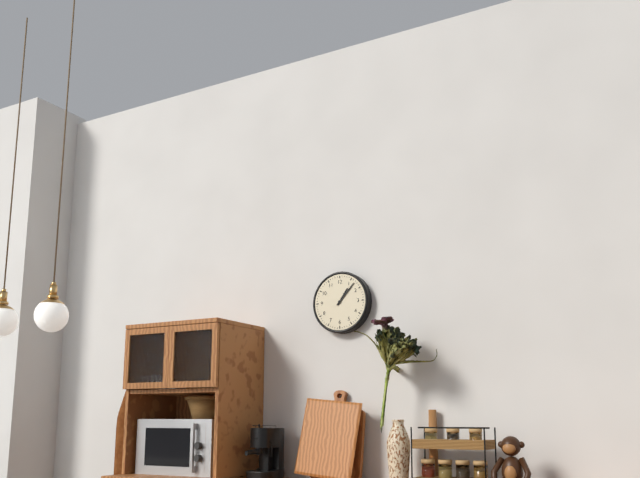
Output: 1h07
